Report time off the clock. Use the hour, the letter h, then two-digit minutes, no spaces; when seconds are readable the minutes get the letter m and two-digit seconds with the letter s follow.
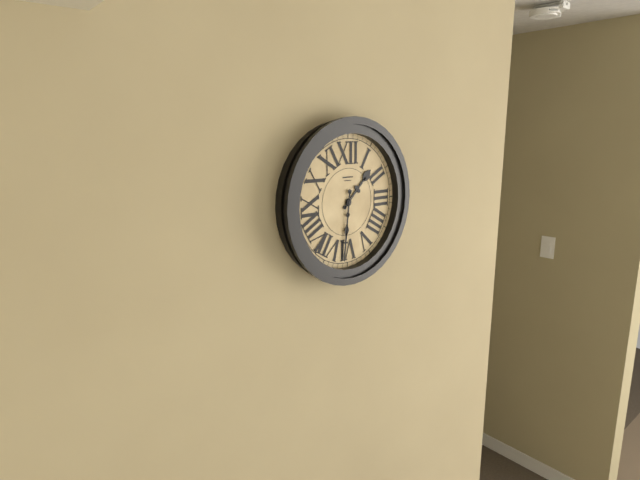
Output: 1h31
